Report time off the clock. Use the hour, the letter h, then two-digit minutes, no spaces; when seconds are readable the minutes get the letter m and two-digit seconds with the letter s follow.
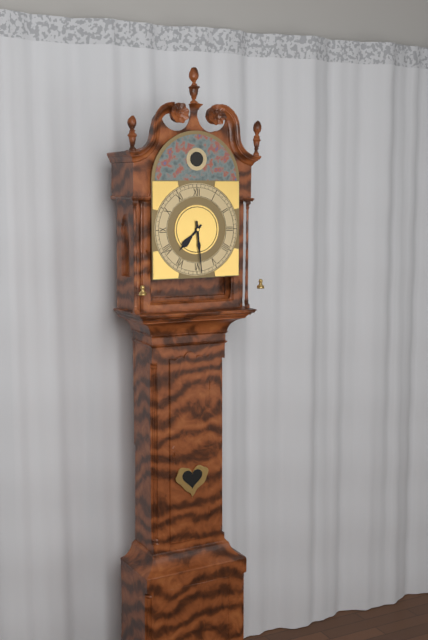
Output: 7h29
